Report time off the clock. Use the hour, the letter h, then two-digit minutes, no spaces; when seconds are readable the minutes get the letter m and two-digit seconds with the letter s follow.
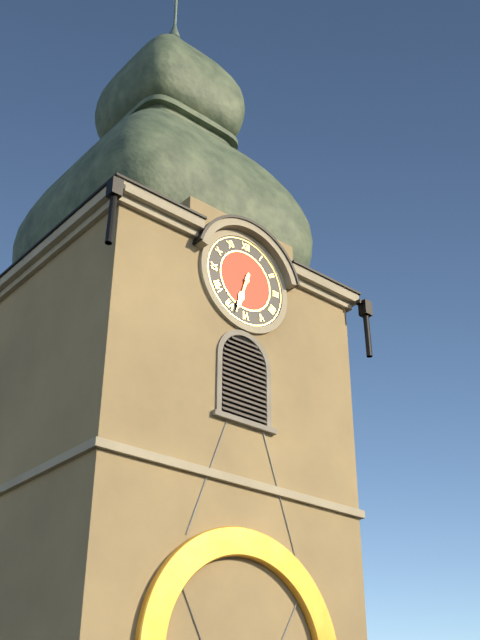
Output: 6h33
